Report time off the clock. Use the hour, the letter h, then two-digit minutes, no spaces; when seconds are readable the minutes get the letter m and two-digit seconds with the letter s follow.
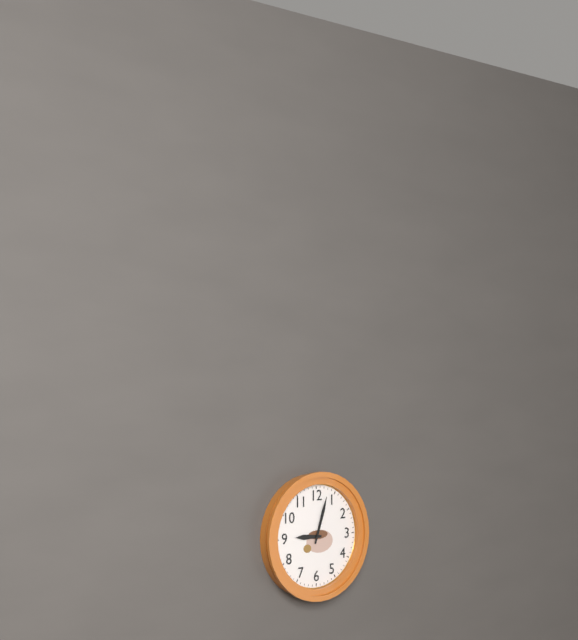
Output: 9h03
